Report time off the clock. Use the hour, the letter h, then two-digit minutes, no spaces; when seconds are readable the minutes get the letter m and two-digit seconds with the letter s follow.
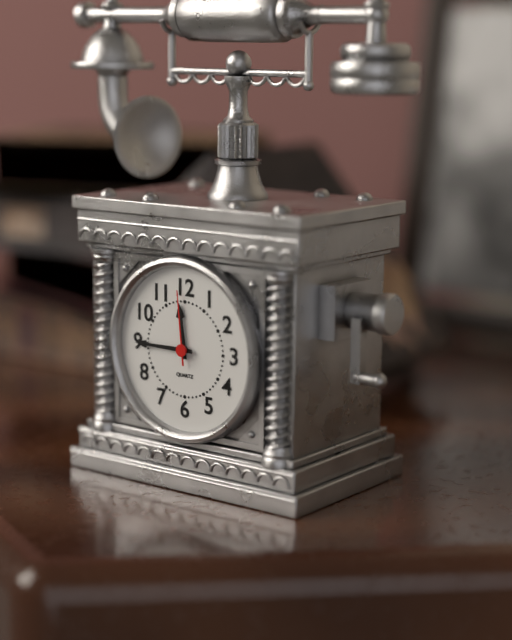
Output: 11h45m59s
